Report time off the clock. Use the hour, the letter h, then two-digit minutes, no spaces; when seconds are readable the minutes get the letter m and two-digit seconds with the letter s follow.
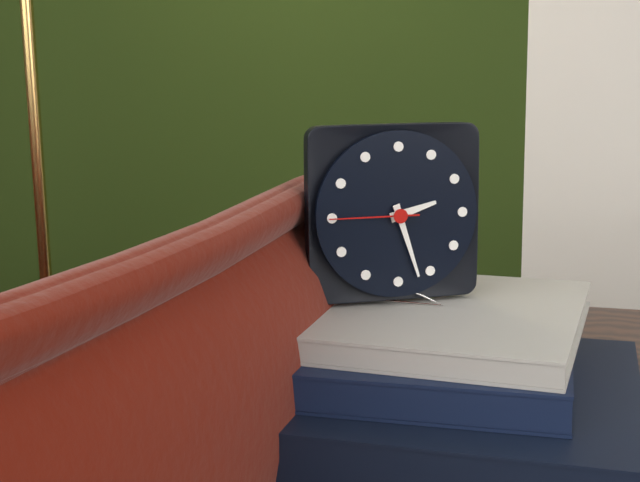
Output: 2h27m45s
